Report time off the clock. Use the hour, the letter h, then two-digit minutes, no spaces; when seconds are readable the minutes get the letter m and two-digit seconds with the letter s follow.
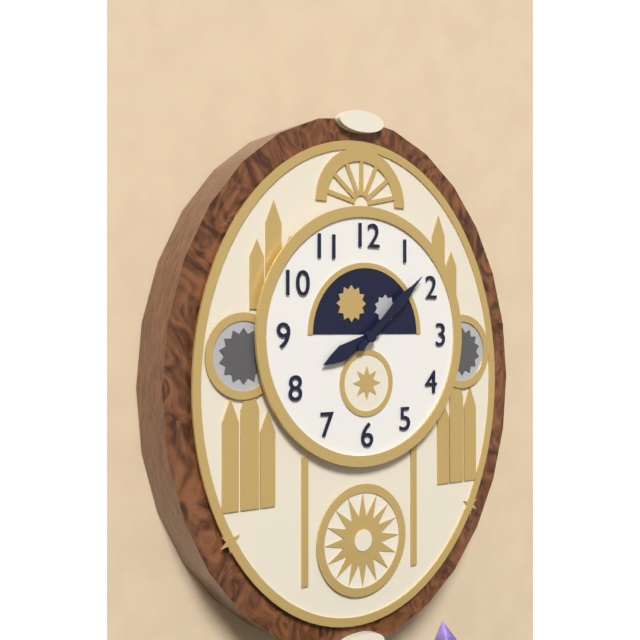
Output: 8h08
